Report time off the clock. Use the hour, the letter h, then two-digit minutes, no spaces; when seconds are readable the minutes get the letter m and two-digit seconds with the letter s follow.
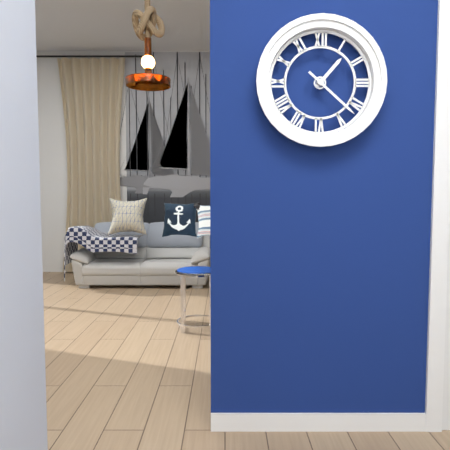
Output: 1h22
